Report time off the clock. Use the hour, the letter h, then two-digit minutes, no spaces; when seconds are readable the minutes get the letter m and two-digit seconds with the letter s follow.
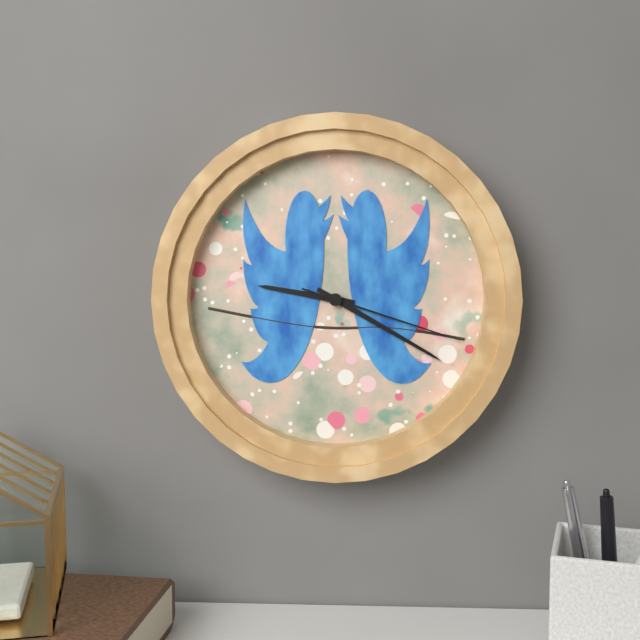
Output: 9h20m18s
